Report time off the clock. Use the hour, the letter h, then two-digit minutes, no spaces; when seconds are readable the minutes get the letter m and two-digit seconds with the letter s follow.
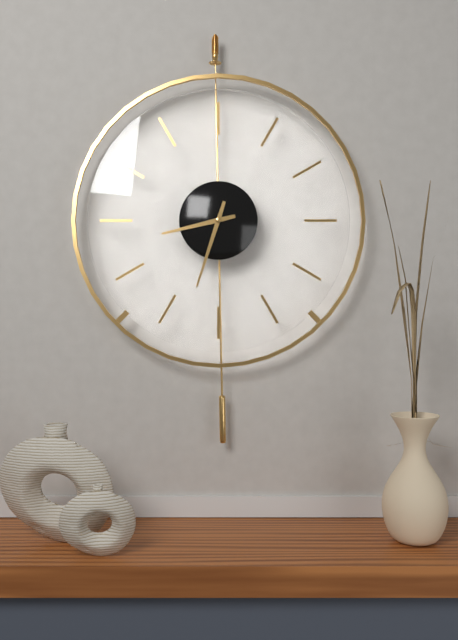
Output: 8h33
